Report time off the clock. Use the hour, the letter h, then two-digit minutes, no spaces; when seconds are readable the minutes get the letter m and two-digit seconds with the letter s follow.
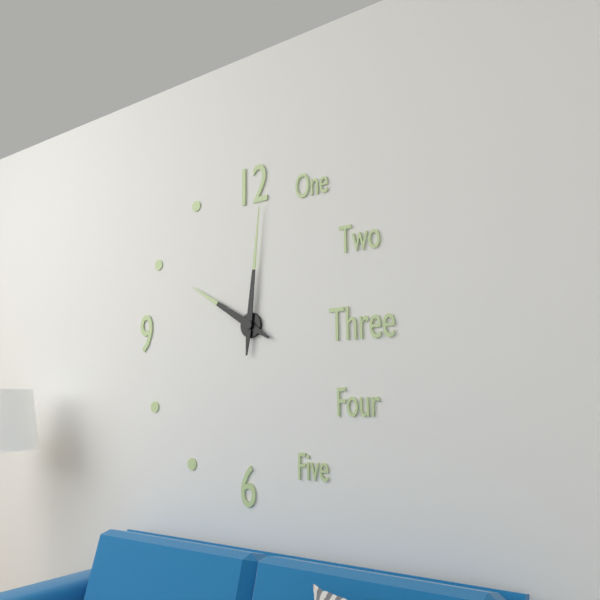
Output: 10h01
